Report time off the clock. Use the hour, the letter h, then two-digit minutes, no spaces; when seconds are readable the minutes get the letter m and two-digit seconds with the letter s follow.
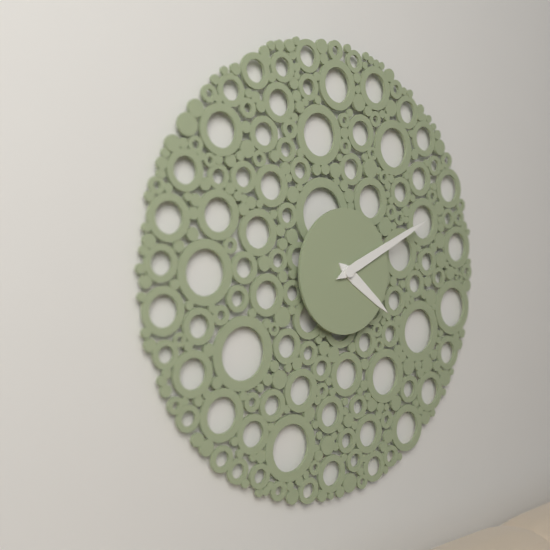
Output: 4h11
